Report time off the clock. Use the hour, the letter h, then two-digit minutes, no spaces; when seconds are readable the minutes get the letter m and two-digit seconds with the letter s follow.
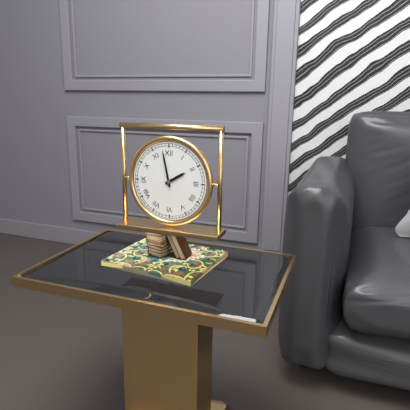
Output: 1h58
